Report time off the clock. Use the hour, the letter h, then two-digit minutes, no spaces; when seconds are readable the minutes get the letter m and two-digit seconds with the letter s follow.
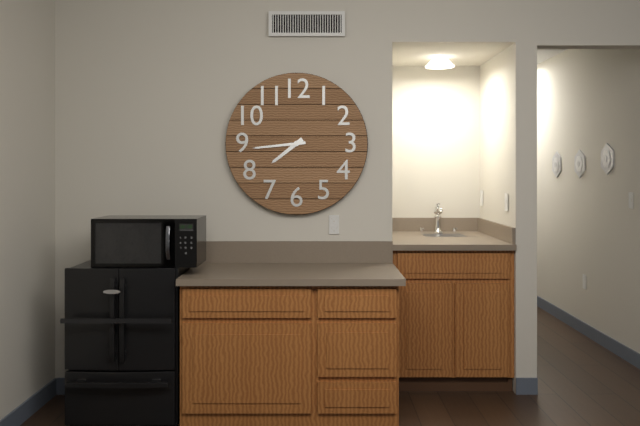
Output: 7h44
